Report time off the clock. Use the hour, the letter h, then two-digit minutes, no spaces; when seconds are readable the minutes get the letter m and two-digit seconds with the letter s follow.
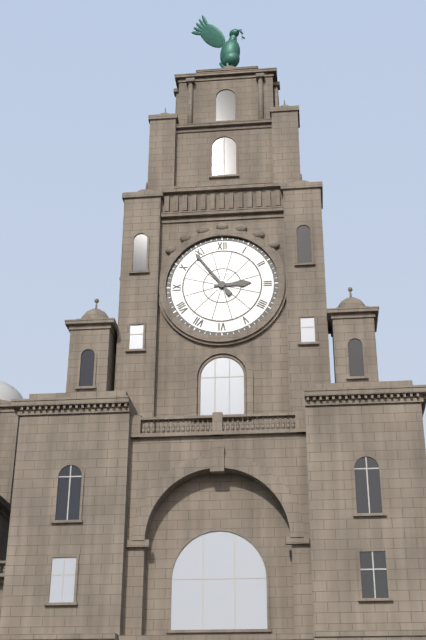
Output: 2h54
